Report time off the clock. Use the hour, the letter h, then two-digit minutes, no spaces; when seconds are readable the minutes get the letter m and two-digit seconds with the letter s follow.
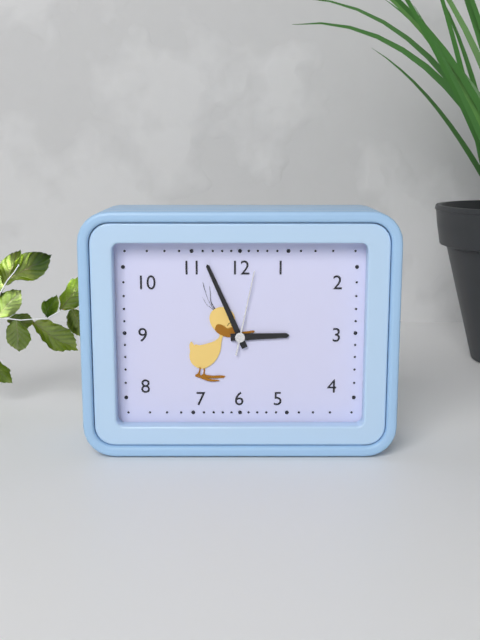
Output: 2h56m02s
